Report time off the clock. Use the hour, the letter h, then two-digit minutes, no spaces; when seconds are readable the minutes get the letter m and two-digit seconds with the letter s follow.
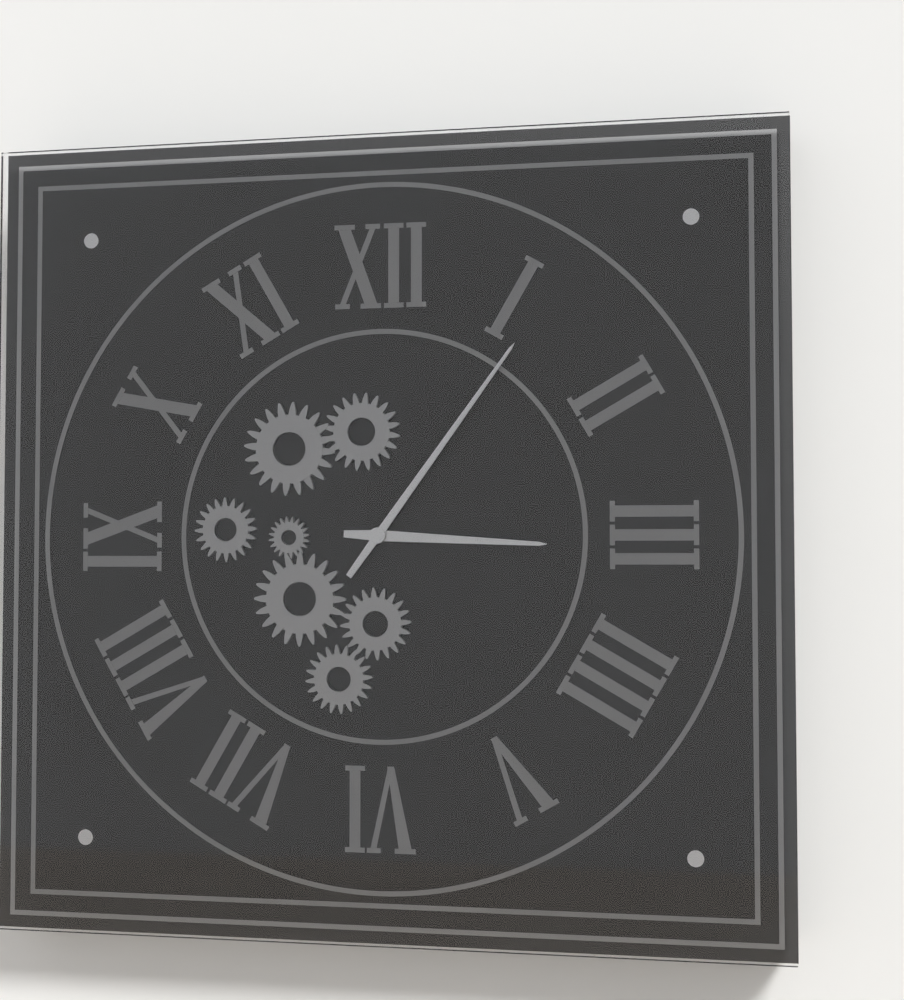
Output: 3h06
